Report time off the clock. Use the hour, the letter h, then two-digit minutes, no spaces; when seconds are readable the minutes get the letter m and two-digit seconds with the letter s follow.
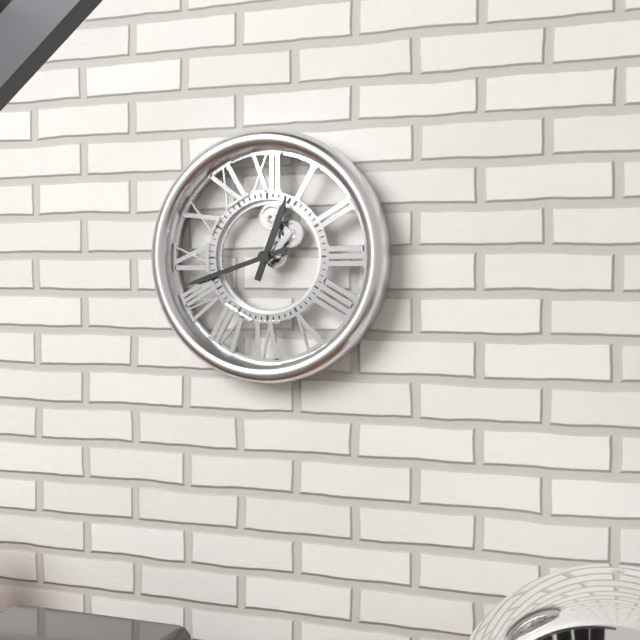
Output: 12h42
